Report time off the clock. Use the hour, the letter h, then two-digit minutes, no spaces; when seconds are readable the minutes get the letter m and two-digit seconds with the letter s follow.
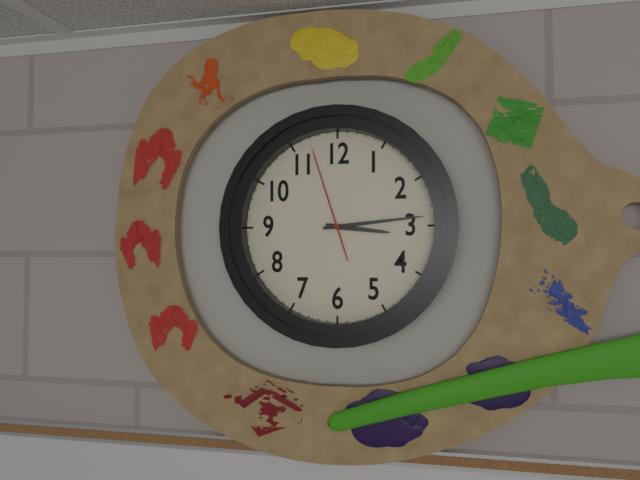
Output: 3h14m57s
